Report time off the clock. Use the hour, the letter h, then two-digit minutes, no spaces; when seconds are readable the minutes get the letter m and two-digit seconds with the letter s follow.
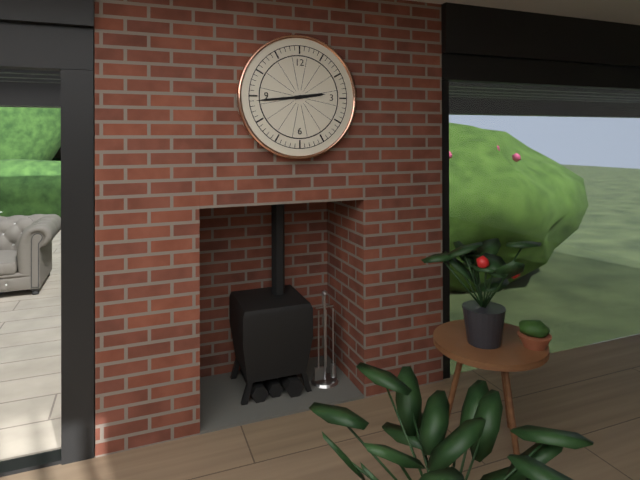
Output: 2h44
